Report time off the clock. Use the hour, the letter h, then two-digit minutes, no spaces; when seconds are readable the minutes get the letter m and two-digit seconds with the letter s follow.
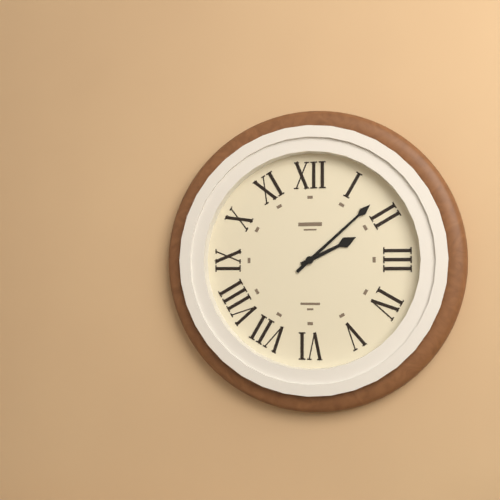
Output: 2h08
